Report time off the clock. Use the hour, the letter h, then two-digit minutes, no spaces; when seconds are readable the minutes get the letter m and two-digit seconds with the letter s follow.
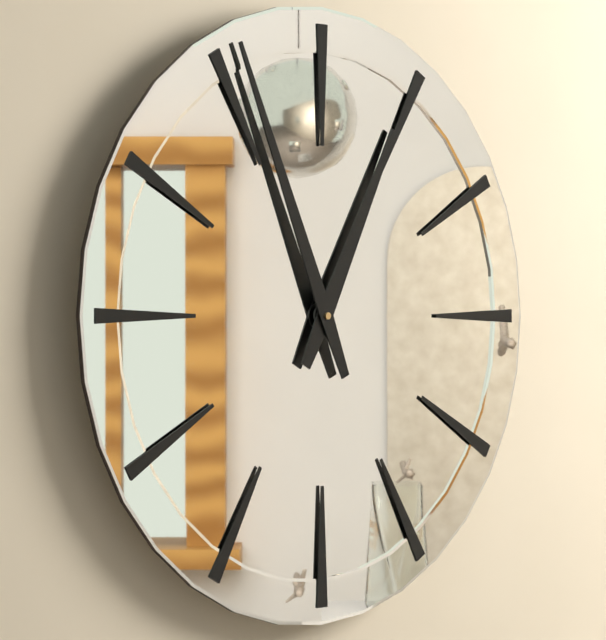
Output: 12h56
